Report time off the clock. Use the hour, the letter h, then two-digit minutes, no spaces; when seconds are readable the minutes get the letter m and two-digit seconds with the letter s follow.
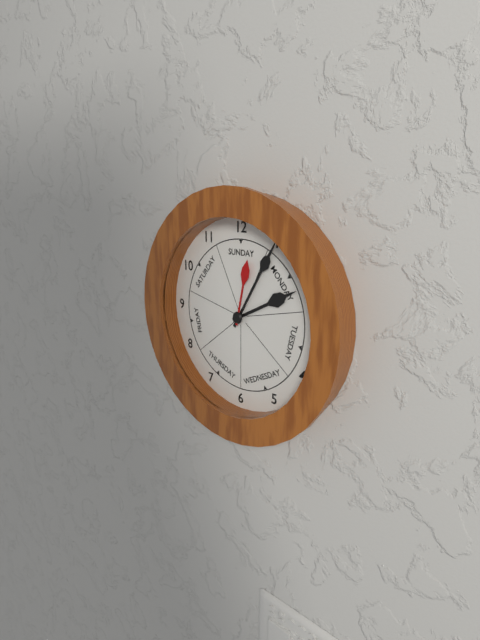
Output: 2h05m02s
